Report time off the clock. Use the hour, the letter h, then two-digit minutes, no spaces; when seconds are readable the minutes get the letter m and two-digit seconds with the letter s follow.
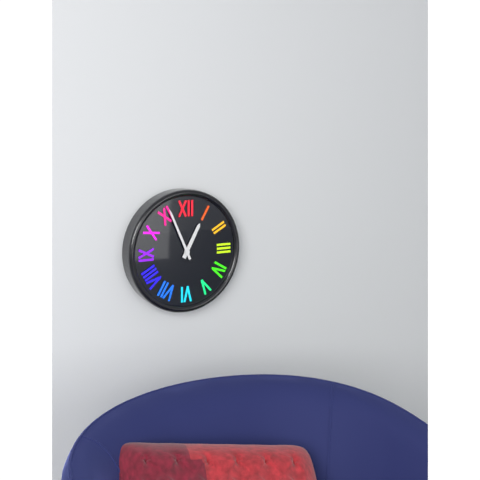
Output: 12h56
